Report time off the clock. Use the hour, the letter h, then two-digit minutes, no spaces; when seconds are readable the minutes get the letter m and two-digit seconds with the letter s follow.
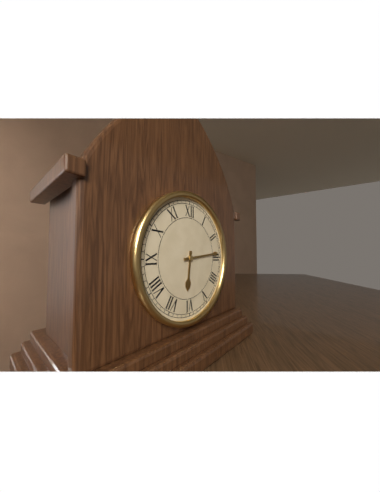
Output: 6h14
